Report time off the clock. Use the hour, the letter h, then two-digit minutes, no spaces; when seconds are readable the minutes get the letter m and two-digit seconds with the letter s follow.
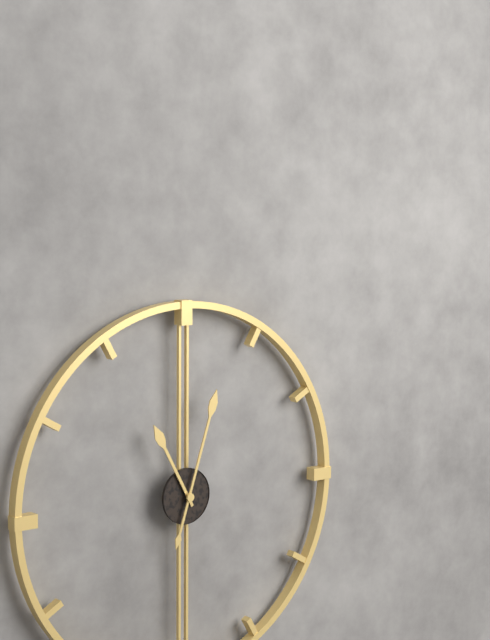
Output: 11h03
